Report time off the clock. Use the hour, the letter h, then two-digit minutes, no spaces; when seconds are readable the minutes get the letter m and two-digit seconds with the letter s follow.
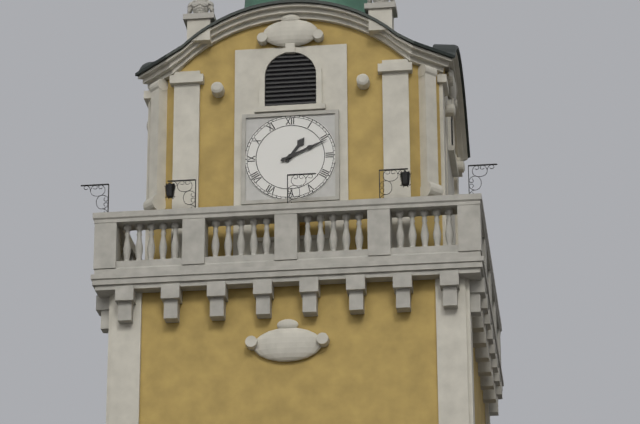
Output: 1h11
